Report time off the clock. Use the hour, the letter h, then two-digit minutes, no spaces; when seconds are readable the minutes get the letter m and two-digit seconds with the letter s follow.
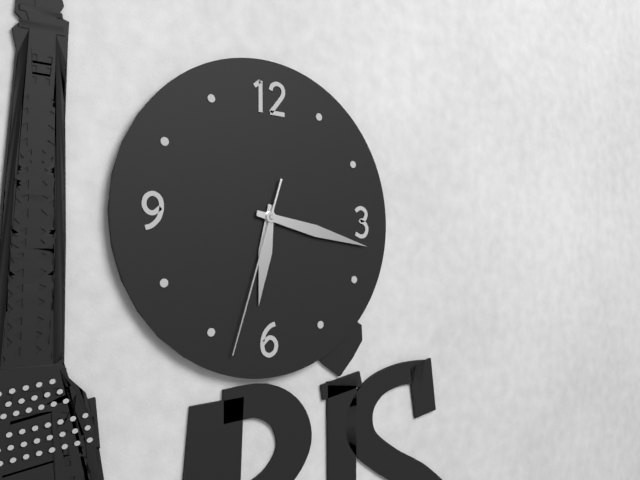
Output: 6h17m33s
